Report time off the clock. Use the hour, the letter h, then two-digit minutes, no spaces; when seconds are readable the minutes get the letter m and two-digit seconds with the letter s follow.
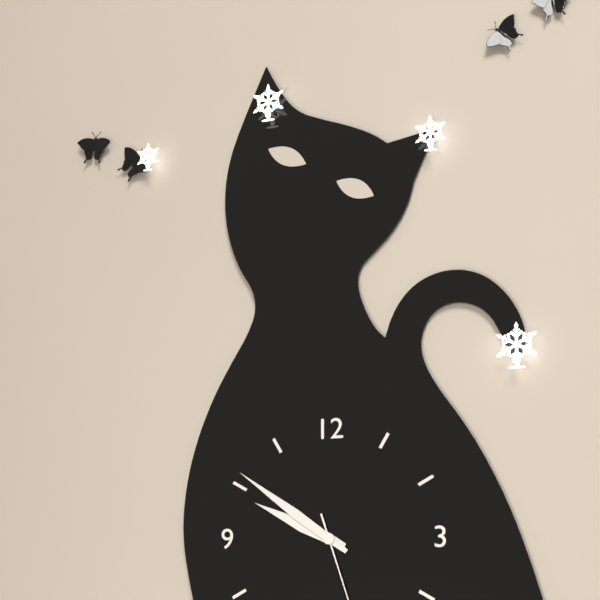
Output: 9h51
